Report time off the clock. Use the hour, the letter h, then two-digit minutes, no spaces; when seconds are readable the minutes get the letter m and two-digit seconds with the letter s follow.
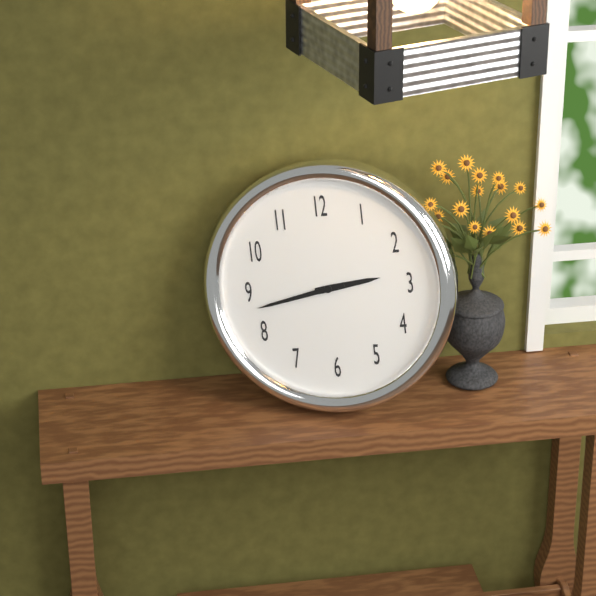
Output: 2h43
